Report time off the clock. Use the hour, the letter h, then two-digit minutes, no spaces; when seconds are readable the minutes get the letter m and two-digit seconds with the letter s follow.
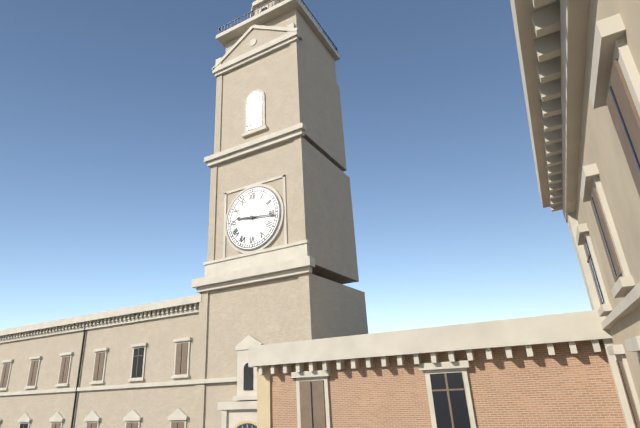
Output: 9h16
